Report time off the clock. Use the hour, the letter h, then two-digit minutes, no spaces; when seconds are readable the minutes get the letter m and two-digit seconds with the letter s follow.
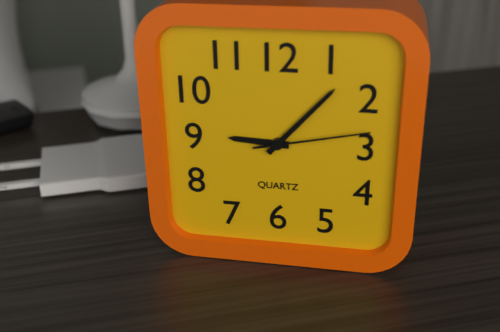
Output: 9h07m13s
